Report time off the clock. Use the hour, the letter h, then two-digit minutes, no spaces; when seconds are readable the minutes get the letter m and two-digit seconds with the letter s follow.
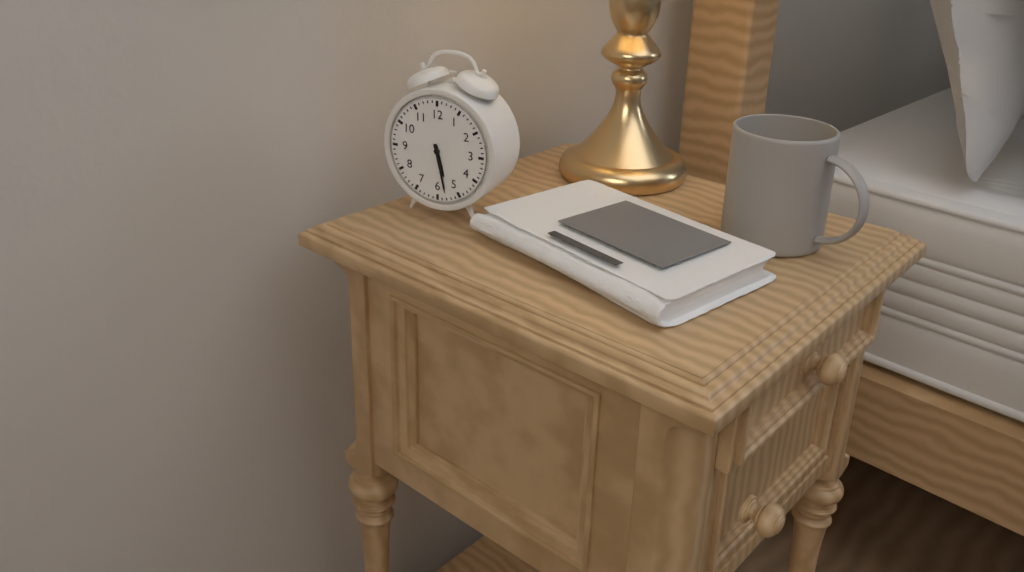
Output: 5h28
